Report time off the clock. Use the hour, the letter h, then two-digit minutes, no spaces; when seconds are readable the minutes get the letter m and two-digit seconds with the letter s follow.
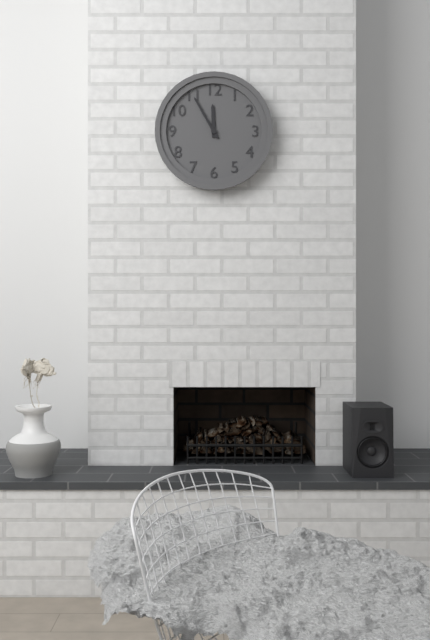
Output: 11h55
